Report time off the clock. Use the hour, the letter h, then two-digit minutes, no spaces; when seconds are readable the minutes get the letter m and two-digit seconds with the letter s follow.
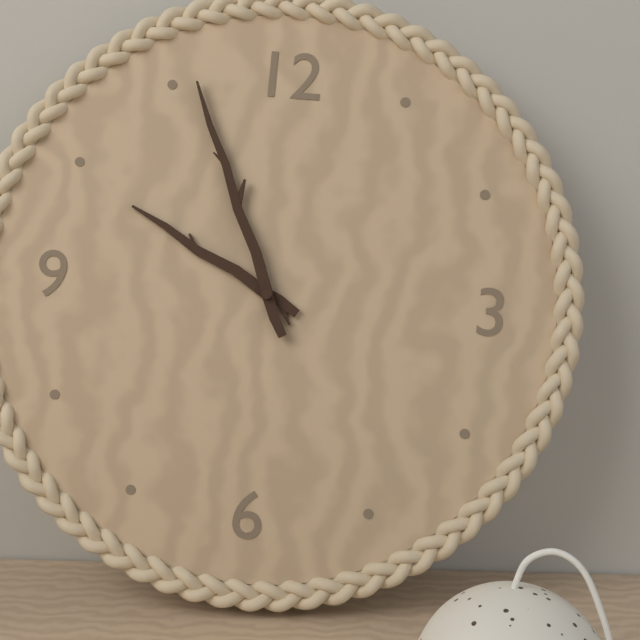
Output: 9h56
